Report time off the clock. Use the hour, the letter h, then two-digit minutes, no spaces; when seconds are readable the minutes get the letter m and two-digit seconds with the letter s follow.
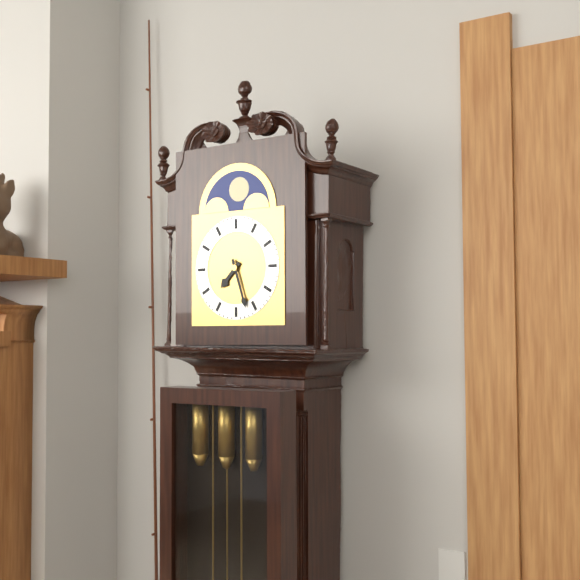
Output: 7h27
